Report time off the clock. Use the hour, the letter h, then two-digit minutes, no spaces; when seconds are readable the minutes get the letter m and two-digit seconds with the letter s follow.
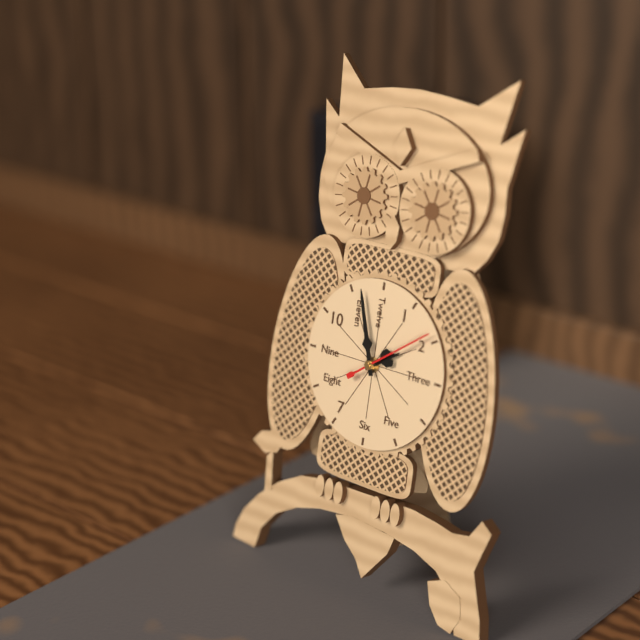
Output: 1h57m09s
